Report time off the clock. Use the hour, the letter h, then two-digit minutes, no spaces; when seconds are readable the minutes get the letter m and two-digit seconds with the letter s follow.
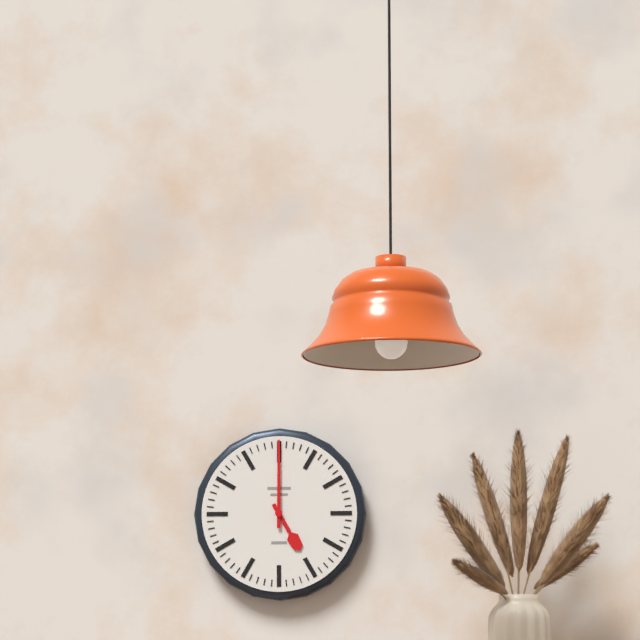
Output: 5h00
